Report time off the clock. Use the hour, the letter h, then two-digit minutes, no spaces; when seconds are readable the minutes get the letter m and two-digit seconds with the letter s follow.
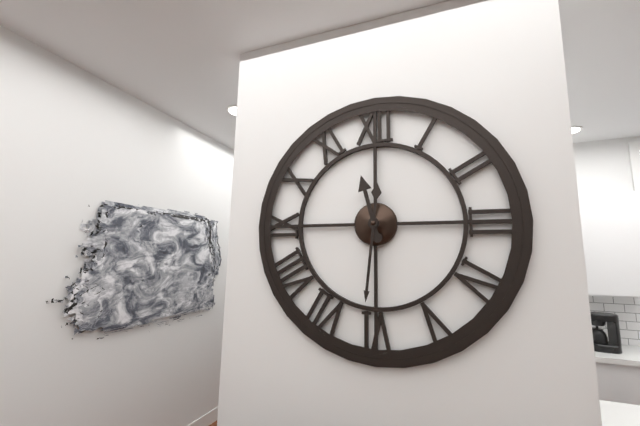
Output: 11h31
